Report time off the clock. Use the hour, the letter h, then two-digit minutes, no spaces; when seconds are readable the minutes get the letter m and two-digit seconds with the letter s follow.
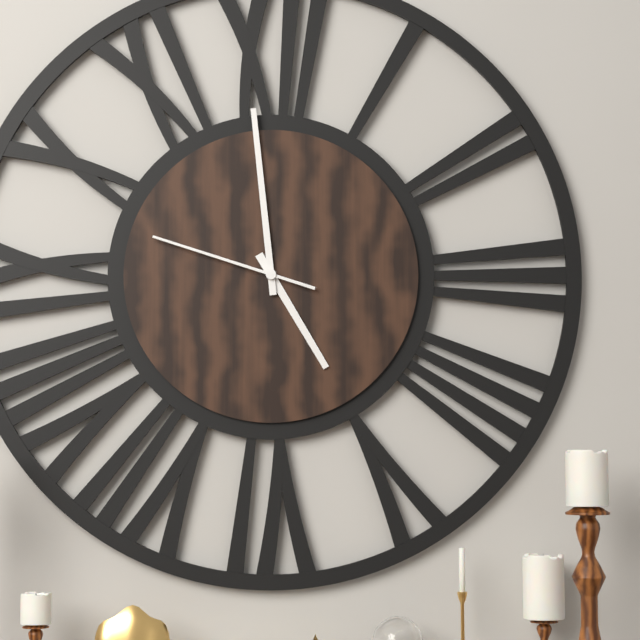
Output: 4h59m48s
